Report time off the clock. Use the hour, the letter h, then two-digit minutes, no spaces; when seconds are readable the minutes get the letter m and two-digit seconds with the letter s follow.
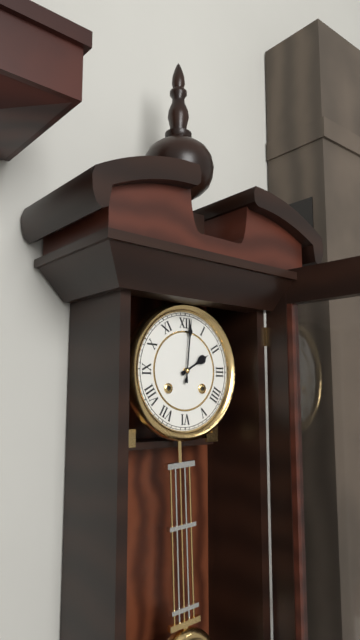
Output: 2h01
